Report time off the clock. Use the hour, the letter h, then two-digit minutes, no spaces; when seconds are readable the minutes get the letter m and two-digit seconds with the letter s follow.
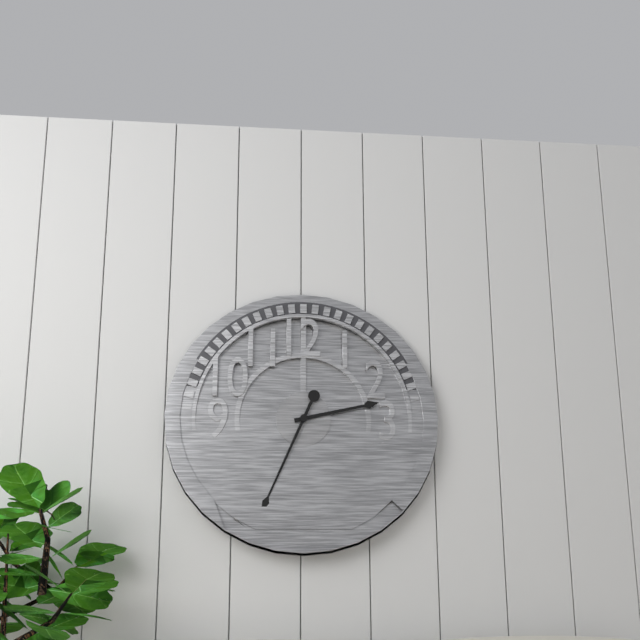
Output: 2h34
